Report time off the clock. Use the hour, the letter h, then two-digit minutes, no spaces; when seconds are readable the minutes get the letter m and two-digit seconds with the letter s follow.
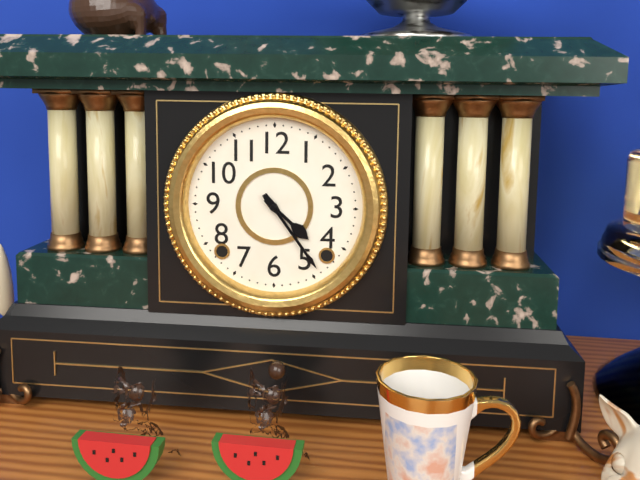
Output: 4h24
